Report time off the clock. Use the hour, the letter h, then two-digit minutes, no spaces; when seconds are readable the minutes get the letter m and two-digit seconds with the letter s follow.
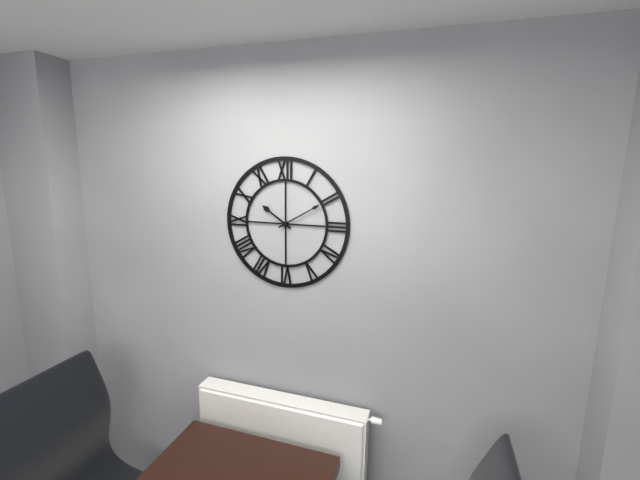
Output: 10h10
